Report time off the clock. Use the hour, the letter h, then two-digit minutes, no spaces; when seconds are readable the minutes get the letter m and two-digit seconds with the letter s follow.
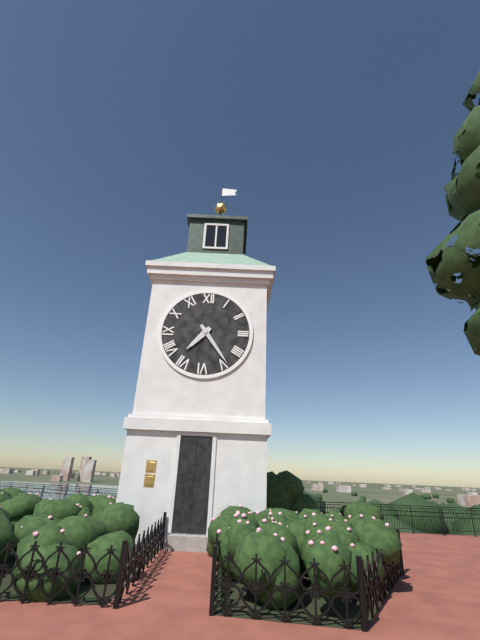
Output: 7h24
